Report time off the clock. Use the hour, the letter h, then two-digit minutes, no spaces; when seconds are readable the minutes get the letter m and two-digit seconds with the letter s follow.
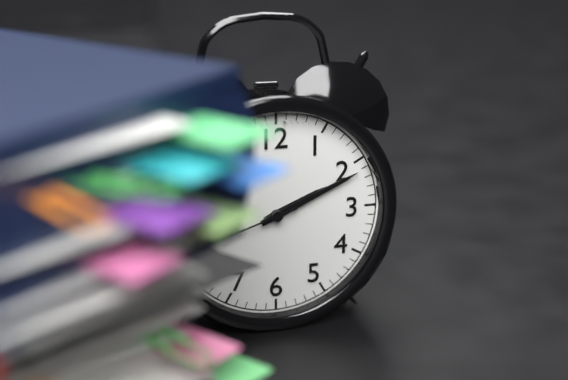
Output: 2h11
